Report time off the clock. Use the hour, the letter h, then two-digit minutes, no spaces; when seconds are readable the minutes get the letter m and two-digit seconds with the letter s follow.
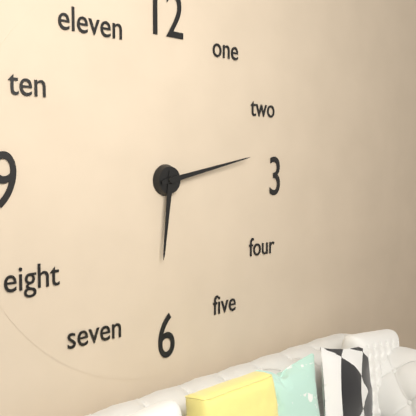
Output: 6h13
